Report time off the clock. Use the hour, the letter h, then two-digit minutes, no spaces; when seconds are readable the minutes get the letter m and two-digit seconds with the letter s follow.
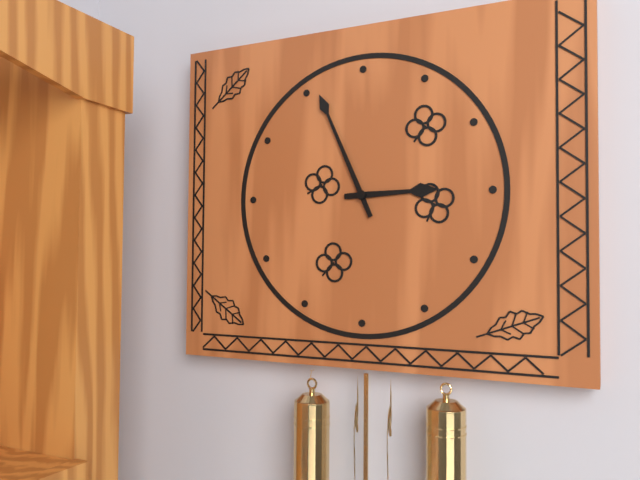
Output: 2h56
